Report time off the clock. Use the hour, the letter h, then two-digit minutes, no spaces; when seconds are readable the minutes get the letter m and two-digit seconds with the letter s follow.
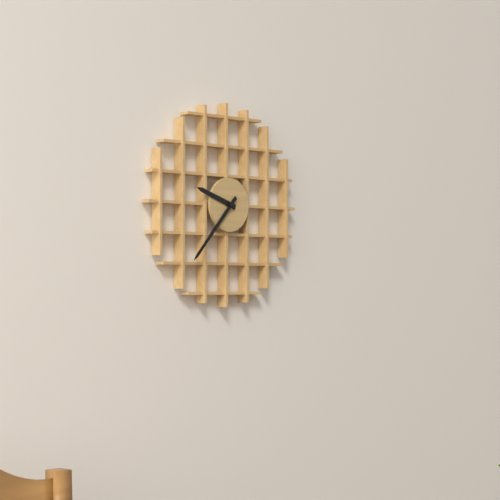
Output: 9h37
